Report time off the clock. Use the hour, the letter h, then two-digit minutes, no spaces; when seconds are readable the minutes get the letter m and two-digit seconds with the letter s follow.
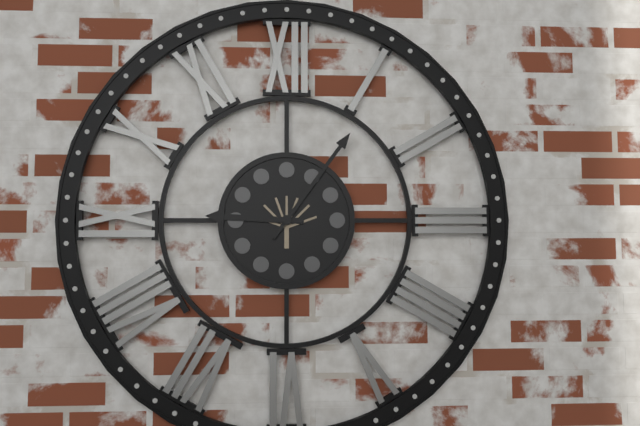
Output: 9h06
